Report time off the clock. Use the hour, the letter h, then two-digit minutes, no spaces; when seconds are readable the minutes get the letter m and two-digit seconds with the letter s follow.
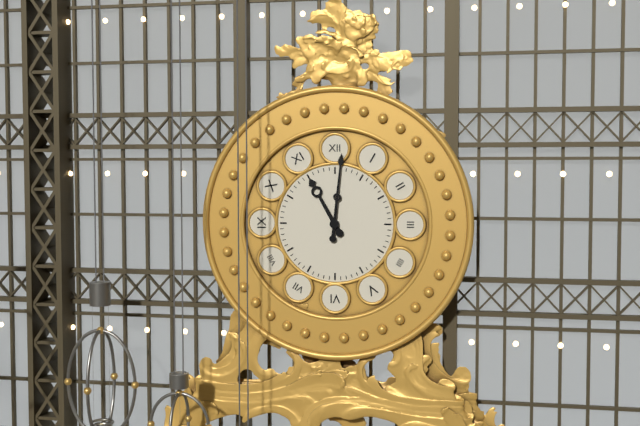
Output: 11h01
